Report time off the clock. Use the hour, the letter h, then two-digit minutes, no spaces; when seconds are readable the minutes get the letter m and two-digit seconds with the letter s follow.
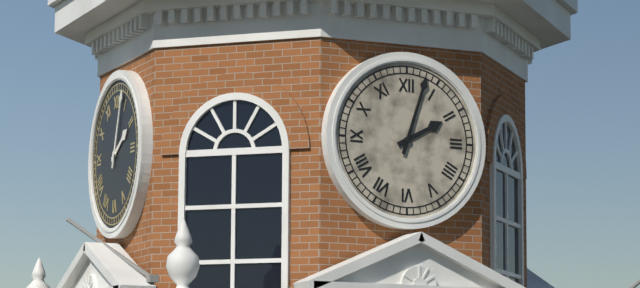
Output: 2h03
